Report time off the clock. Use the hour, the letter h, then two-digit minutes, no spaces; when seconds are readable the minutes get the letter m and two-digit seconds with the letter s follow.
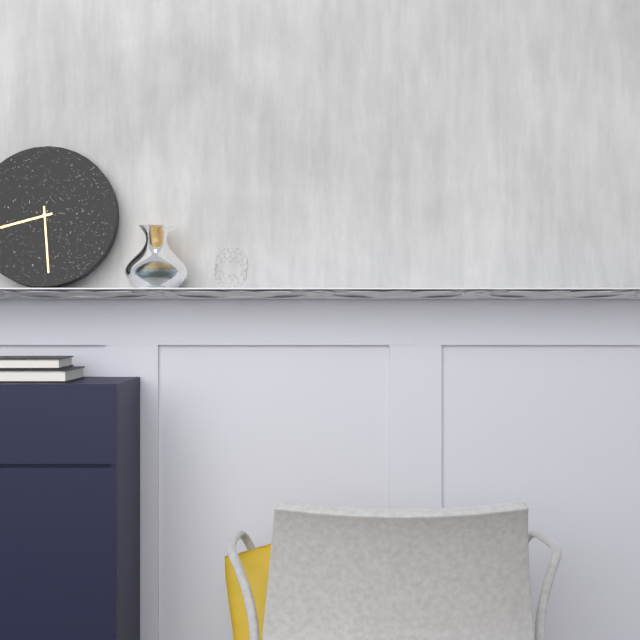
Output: 8h29
